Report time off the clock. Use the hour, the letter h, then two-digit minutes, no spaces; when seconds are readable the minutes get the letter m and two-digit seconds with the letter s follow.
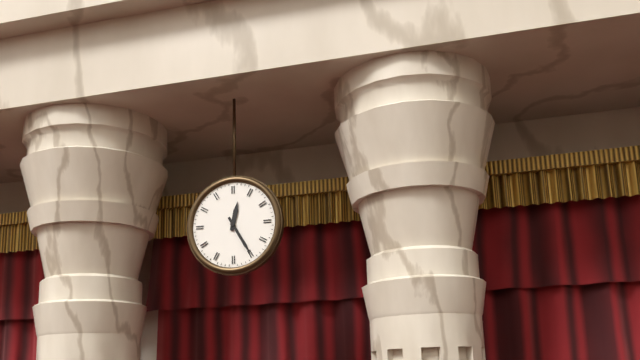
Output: 12h25
